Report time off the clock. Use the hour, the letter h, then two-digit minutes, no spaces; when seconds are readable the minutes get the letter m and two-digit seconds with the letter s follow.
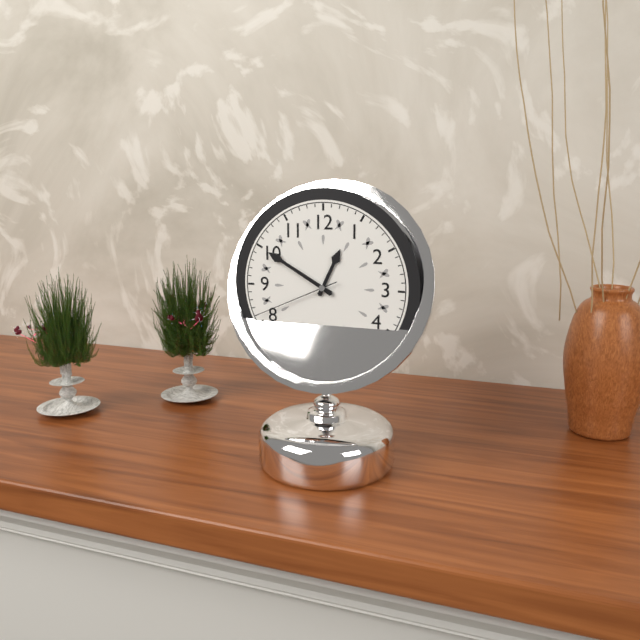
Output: 12h50m41s
